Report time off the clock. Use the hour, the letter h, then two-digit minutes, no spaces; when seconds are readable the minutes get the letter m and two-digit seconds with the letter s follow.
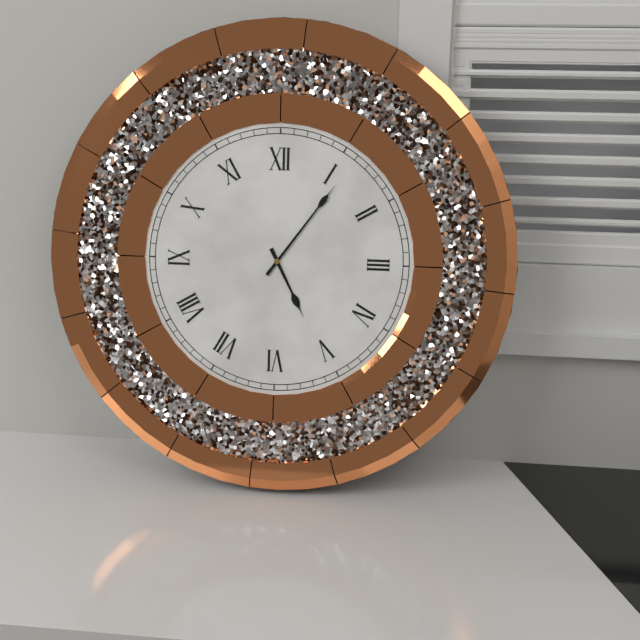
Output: 5h06
